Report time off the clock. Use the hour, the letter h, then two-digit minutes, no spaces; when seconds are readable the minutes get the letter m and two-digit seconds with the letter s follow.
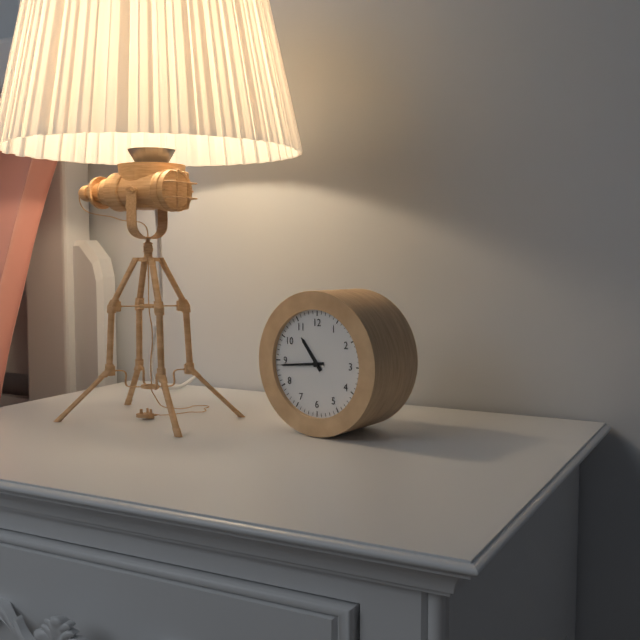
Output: 10h44
